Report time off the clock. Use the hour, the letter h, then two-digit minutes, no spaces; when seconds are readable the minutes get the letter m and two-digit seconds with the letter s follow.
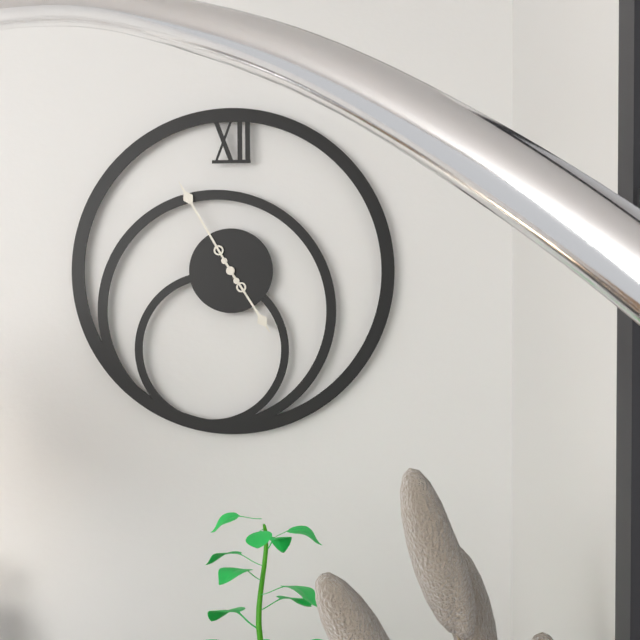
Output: 4h55
